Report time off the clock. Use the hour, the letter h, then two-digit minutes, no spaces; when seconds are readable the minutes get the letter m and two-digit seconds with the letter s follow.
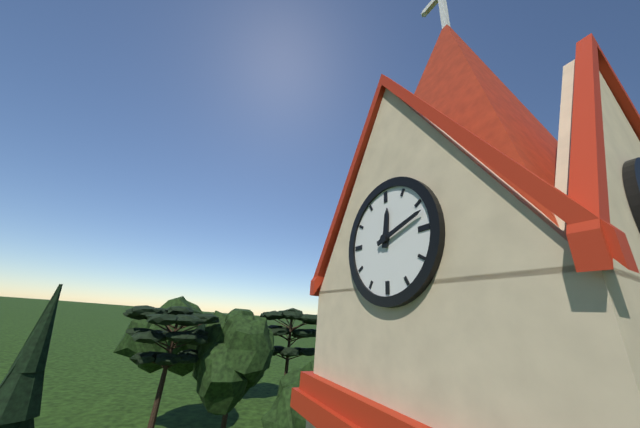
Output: 12h12
